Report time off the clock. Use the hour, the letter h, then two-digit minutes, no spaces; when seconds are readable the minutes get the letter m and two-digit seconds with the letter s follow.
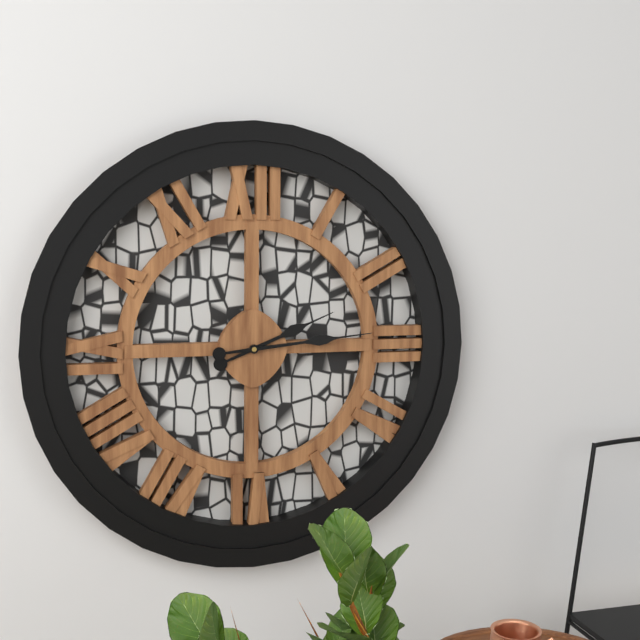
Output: 2h14
